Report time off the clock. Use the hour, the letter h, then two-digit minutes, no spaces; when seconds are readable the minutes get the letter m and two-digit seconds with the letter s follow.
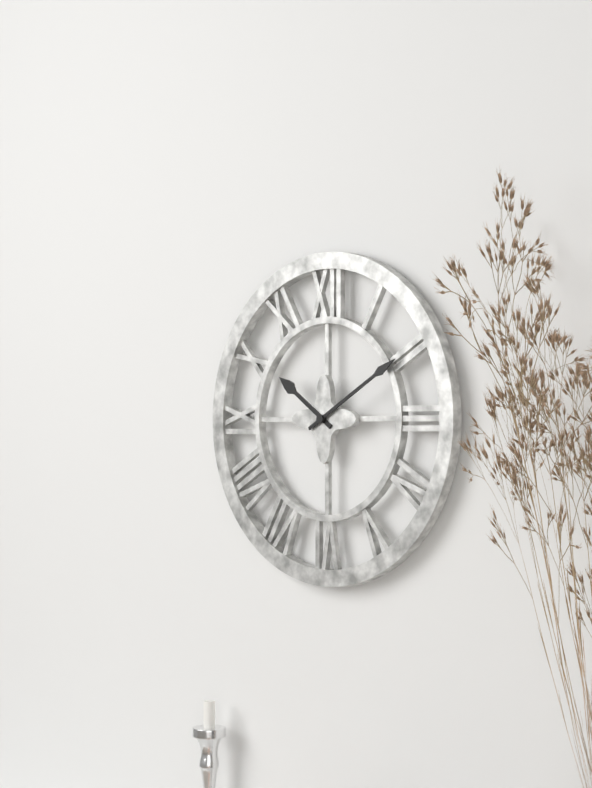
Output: 10h10
